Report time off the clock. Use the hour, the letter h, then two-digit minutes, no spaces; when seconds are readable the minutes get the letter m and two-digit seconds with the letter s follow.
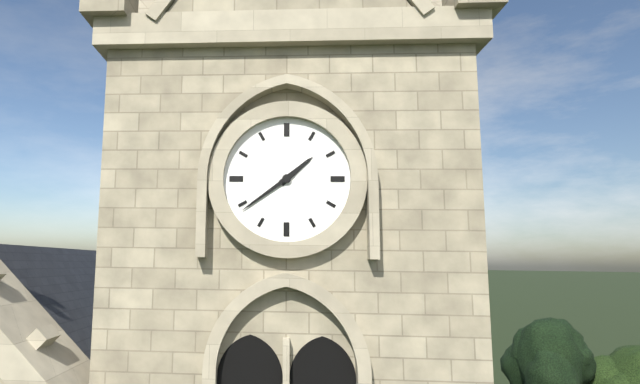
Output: 1h39
